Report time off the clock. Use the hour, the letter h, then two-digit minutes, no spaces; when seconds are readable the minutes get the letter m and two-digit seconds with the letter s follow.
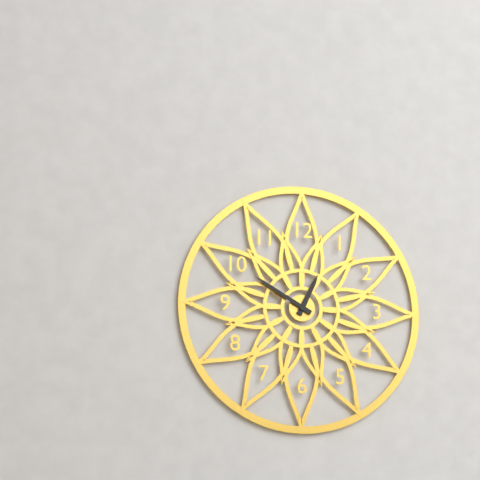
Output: 12h50
